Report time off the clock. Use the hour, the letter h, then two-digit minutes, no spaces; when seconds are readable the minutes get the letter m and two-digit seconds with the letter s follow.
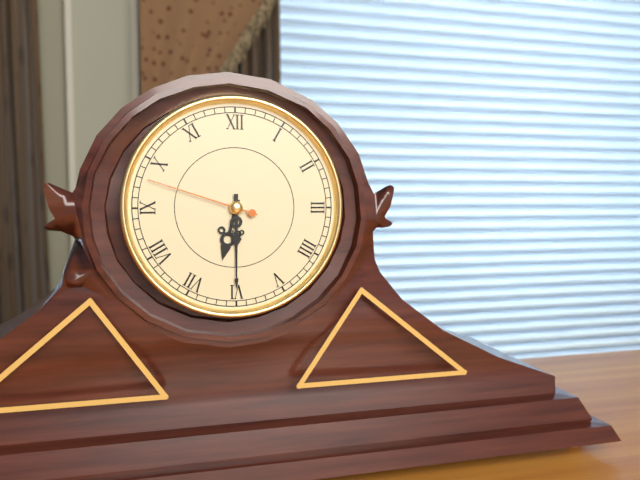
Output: 6h30m48s
